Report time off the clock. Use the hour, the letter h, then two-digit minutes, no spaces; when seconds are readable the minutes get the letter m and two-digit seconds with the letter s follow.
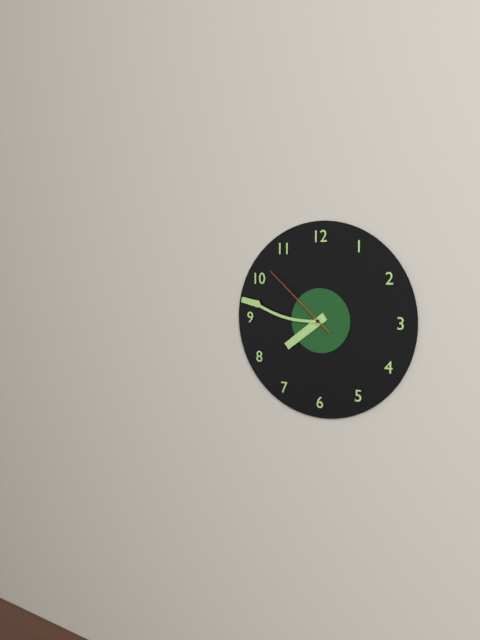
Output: 7h47m52s
